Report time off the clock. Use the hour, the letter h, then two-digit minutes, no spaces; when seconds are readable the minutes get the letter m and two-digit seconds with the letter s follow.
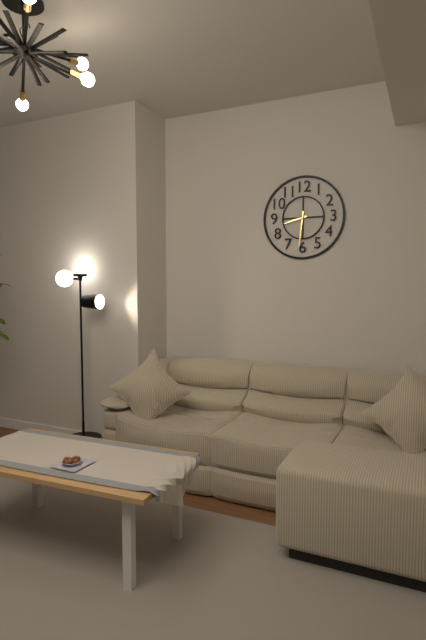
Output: 8h31
